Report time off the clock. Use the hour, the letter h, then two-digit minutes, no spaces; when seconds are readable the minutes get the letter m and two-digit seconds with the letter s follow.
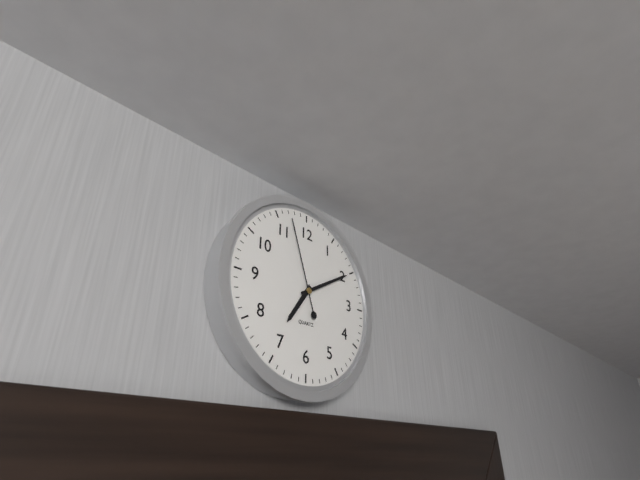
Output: 7h10m57s
